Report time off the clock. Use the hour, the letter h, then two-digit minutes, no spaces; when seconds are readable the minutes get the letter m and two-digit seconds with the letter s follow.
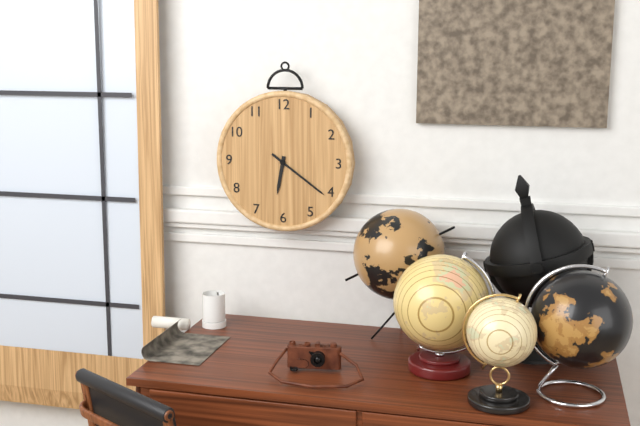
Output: 6h21
